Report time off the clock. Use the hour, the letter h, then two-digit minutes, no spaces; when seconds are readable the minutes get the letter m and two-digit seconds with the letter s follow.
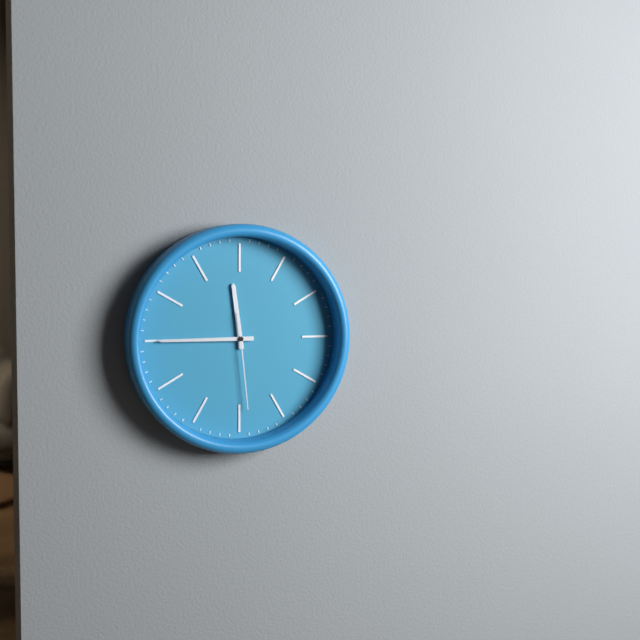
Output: 11h45m29s
